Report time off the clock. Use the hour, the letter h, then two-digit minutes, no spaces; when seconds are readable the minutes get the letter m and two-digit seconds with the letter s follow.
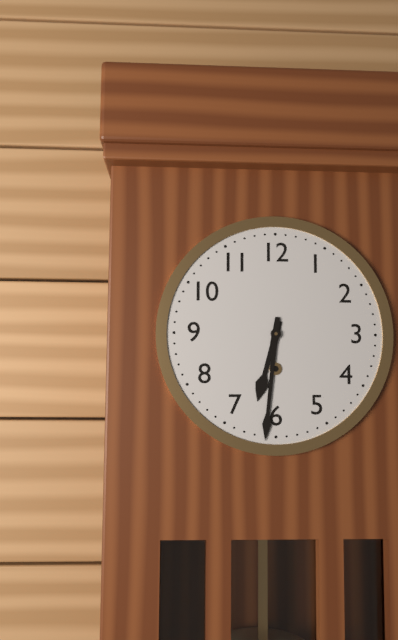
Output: 6h31
